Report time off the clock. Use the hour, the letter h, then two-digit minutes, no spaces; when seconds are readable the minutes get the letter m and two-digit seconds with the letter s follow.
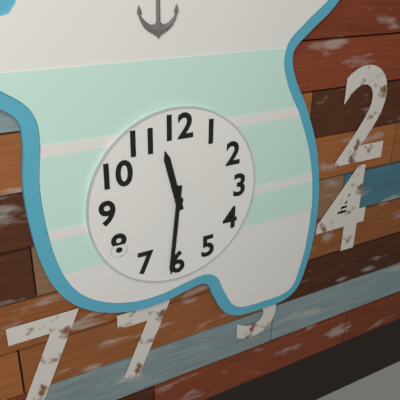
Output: 11h31
